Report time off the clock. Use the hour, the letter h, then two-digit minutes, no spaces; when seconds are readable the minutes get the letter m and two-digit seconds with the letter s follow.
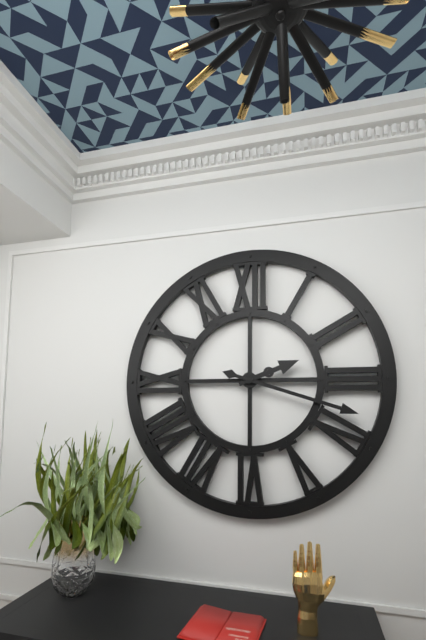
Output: 2h18
